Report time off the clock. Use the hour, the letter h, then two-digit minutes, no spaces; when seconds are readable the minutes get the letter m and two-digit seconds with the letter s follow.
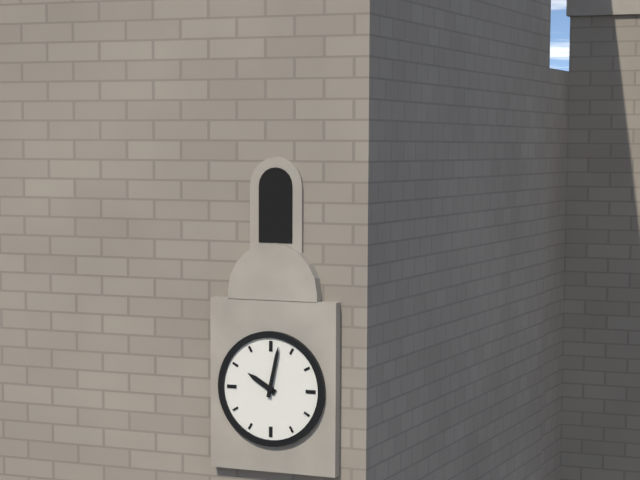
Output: 10h02
